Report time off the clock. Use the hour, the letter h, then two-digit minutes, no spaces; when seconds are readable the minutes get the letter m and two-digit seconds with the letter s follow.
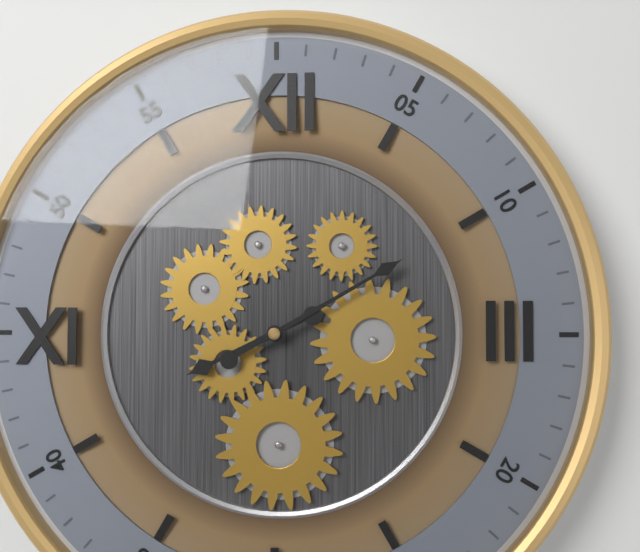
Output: 8h10
